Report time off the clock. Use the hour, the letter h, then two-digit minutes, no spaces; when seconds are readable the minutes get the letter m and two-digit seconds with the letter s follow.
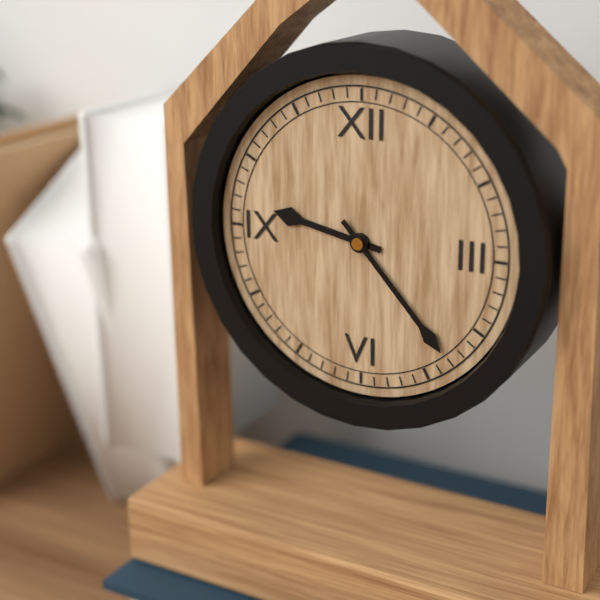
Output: 9h23
